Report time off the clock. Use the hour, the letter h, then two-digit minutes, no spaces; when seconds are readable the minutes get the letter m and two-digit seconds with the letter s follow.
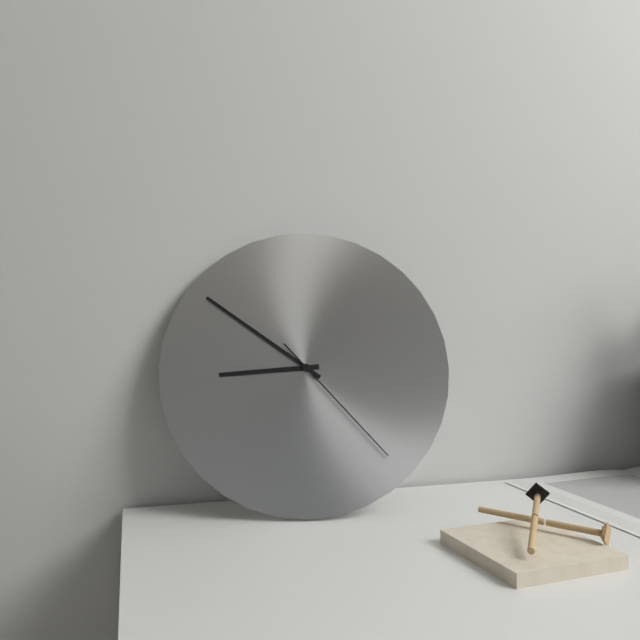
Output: 8h51m23s
